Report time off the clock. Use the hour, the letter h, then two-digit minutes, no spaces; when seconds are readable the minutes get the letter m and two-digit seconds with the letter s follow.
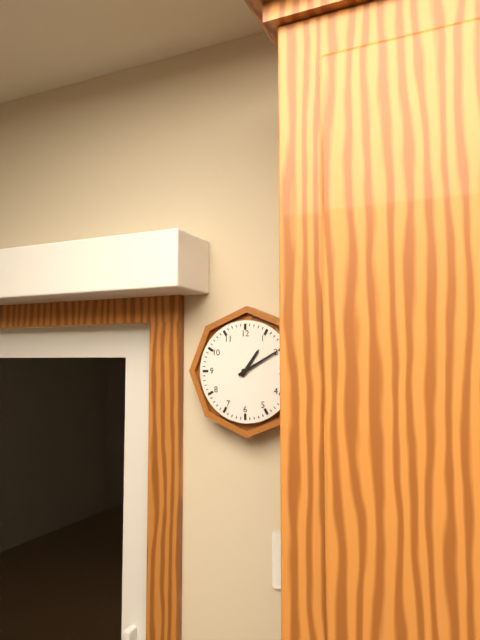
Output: 1h10
